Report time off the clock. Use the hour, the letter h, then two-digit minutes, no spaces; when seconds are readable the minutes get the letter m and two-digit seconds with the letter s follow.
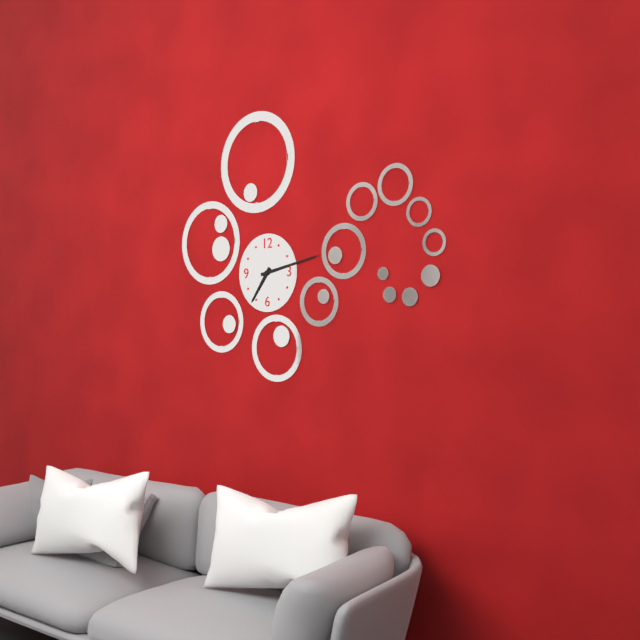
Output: 7h13
